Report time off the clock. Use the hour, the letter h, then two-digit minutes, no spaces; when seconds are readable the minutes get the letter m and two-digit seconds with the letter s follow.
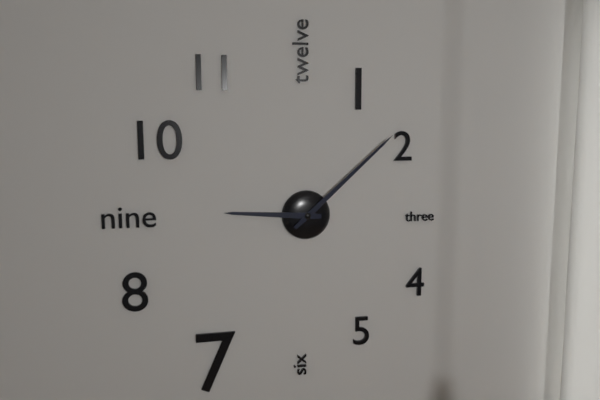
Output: 9h08
